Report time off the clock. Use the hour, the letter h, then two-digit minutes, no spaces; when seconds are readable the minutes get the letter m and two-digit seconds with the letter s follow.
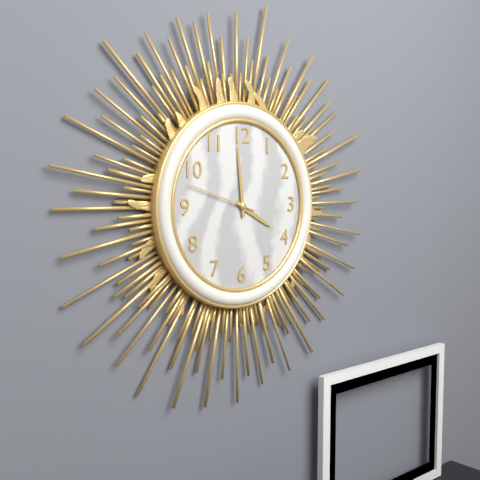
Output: 3h59m48s
